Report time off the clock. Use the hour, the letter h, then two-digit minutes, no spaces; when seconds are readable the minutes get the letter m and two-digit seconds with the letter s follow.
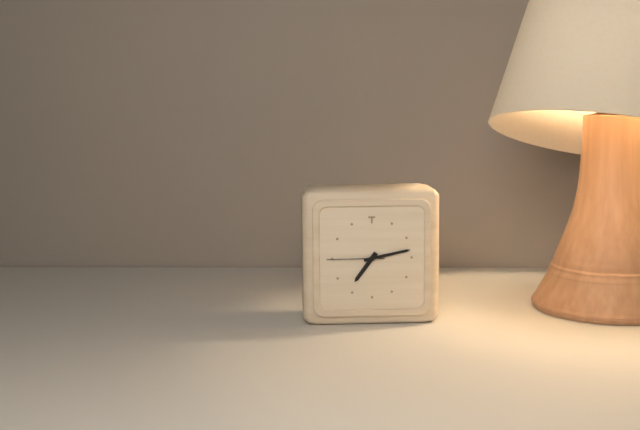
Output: 7h13m45s
